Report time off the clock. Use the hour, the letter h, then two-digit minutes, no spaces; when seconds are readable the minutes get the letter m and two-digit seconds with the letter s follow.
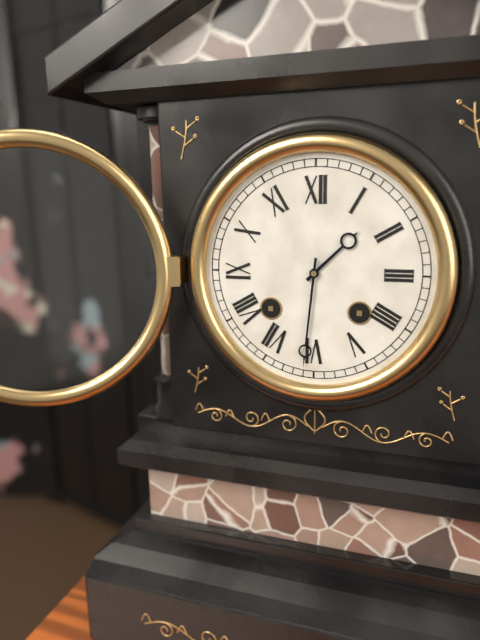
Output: 1h31
